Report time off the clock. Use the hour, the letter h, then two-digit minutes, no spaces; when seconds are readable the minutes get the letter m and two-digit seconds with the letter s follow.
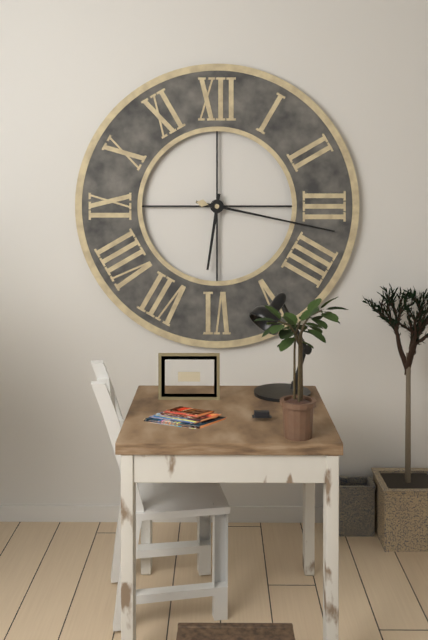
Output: 6h17
